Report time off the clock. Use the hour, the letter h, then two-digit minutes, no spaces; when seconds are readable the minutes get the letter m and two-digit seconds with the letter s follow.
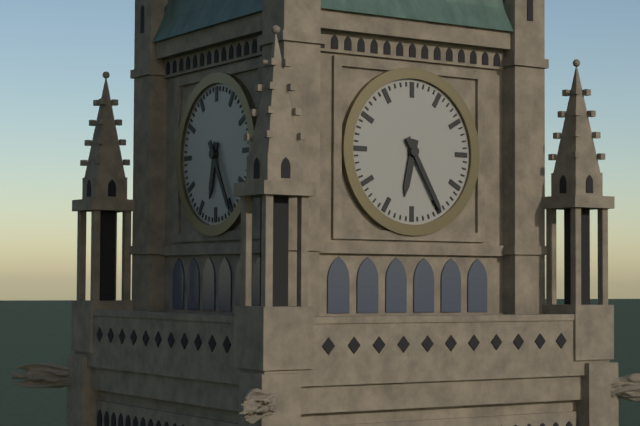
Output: 6h25
